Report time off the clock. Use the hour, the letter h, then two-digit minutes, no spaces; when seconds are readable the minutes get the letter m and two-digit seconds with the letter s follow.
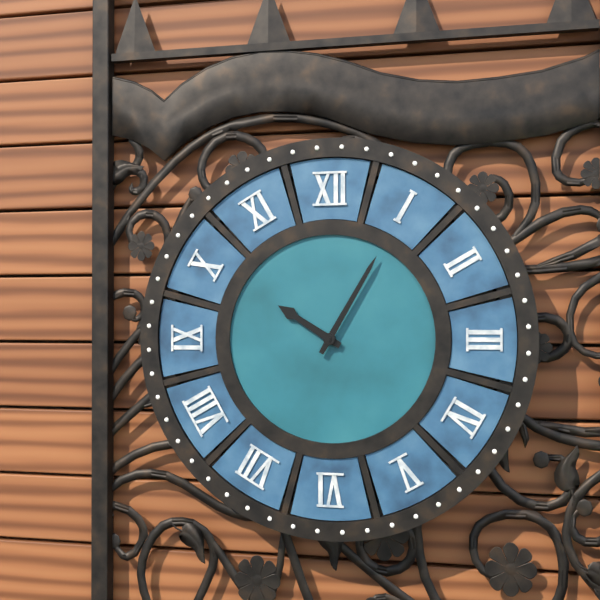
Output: 10h05
